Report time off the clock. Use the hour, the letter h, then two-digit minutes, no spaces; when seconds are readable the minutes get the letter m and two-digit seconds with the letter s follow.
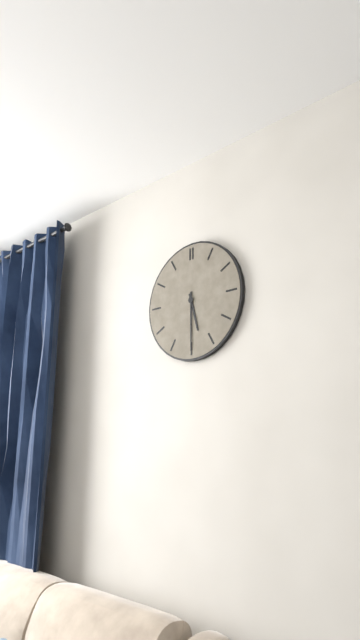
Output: 5h30
